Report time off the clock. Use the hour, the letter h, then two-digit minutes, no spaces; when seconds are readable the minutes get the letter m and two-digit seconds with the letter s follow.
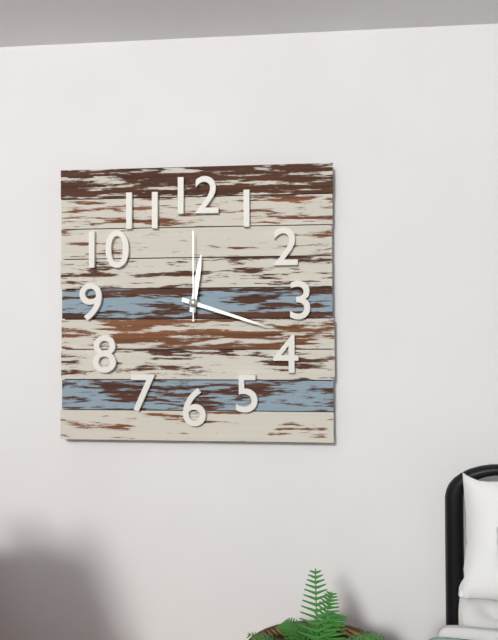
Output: 12h18m00s
